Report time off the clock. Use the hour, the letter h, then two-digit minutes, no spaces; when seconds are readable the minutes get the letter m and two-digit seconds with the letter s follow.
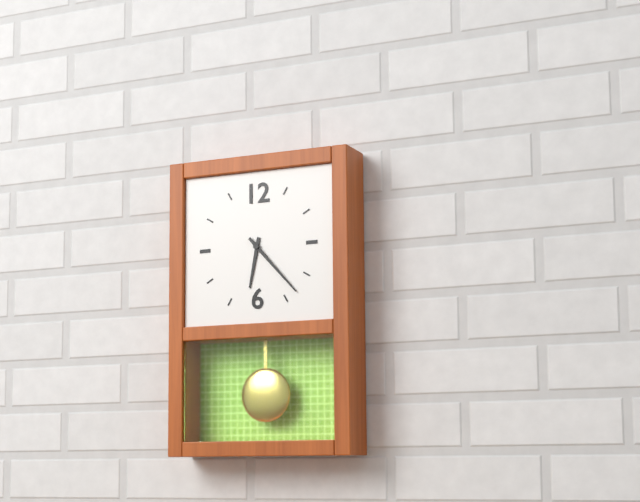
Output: 6h23
